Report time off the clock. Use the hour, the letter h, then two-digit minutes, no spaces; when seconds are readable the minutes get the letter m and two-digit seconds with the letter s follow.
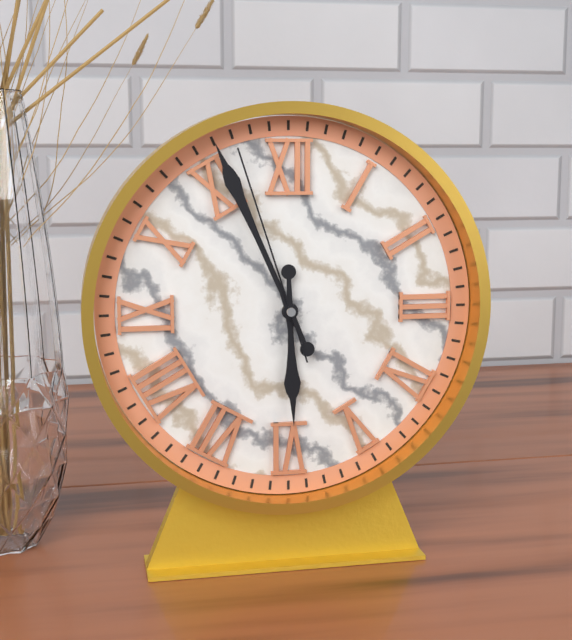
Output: 5h56m57s
